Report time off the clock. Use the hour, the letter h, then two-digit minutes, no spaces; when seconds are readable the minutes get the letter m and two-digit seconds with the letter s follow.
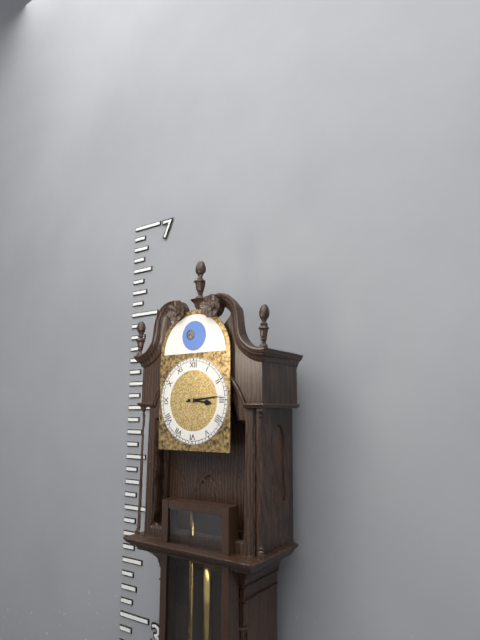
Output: 3h14
